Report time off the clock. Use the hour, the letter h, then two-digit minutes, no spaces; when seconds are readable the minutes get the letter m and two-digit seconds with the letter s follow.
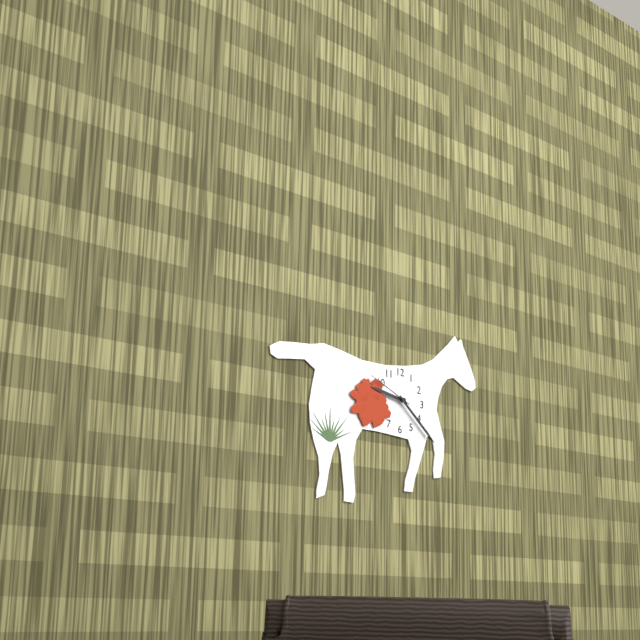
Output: 9h22m49s
